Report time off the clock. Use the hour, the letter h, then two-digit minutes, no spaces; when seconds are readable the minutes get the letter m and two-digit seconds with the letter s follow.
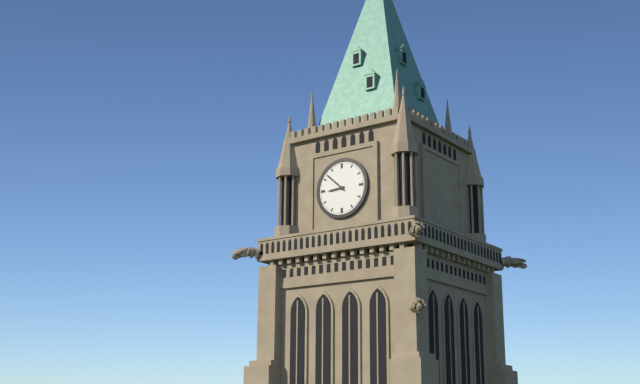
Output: 8h52
